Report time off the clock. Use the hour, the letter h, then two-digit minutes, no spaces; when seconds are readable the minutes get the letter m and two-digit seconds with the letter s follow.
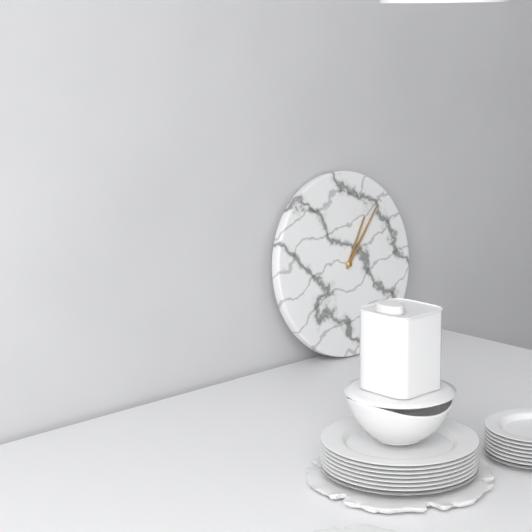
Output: 1h07
